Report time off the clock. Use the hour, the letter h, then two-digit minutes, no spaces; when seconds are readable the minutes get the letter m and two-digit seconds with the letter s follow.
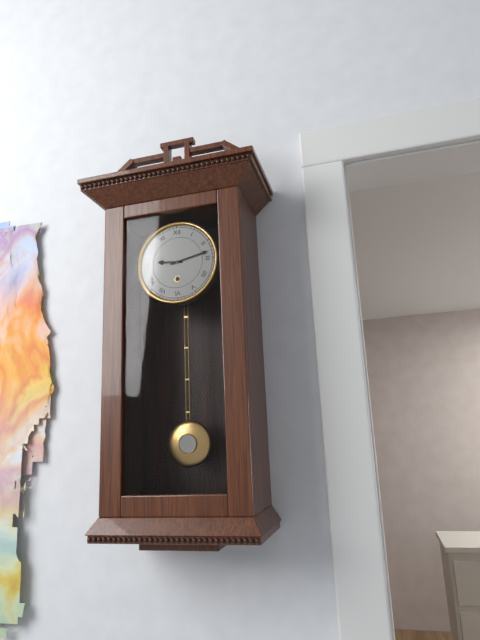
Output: 9h13
